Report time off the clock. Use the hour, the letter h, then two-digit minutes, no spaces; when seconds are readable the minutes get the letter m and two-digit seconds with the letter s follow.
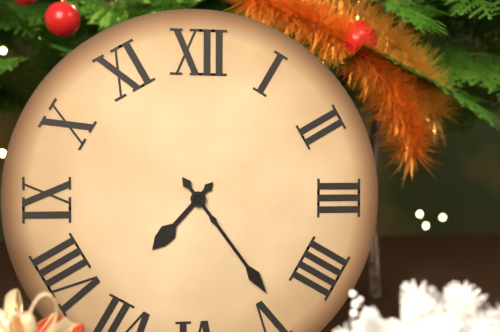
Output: 7h24
